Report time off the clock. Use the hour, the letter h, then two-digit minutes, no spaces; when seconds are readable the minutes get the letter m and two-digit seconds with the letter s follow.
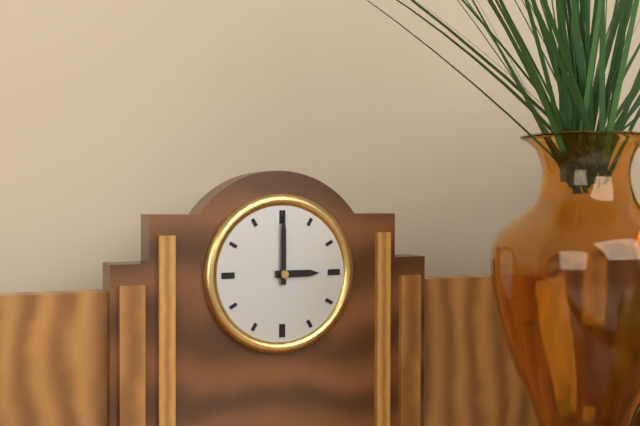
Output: 3h00
